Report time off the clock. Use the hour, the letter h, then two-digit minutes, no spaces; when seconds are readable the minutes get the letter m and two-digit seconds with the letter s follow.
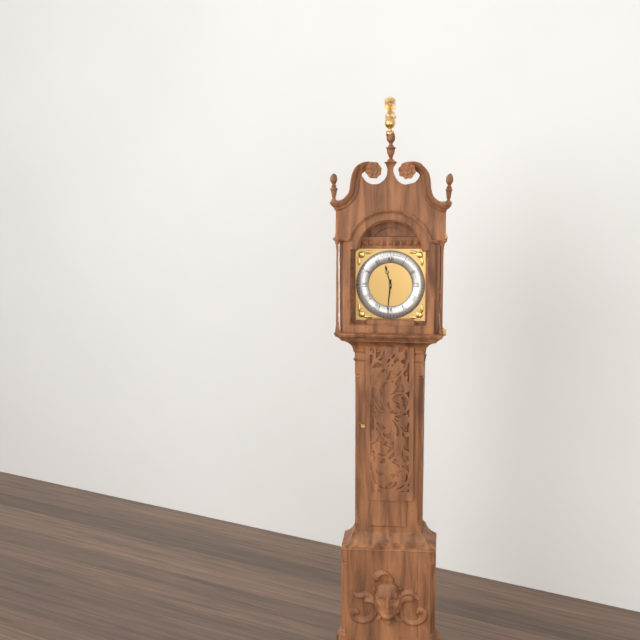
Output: 11h31
